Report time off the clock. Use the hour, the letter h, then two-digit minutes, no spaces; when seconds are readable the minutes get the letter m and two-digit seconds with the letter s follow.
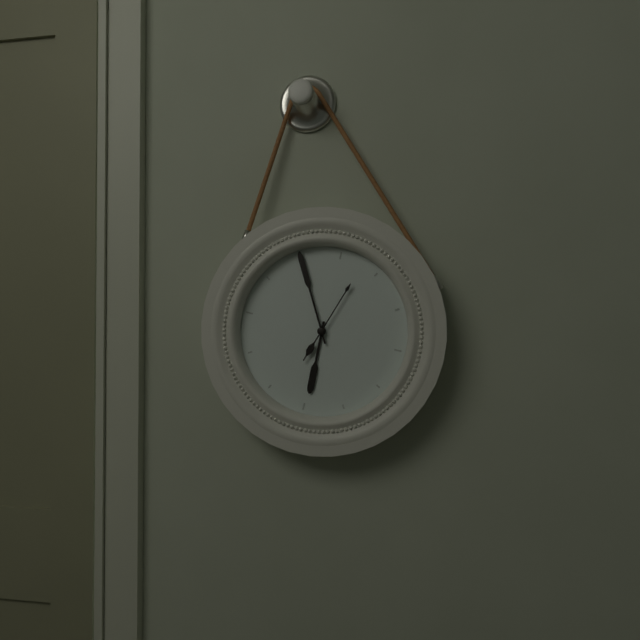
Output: 5h55m03s
